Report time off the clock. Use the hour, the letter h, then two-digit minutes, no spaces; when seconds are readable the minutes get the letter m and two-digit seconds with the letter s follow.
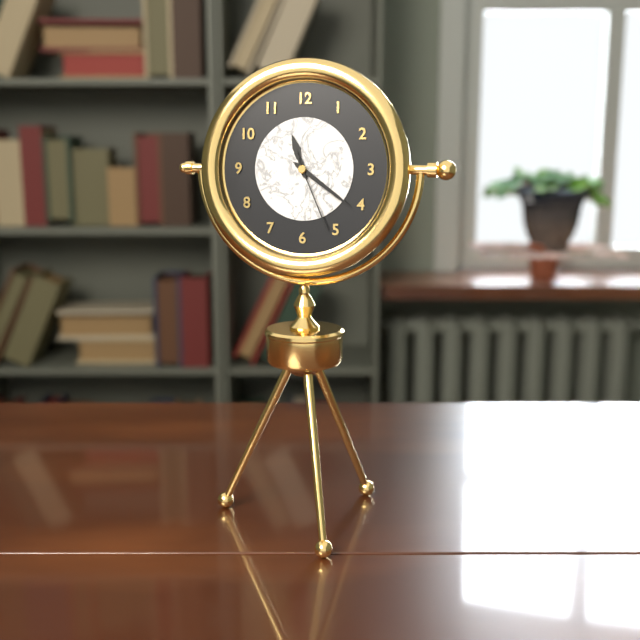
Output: 11h21m26s
